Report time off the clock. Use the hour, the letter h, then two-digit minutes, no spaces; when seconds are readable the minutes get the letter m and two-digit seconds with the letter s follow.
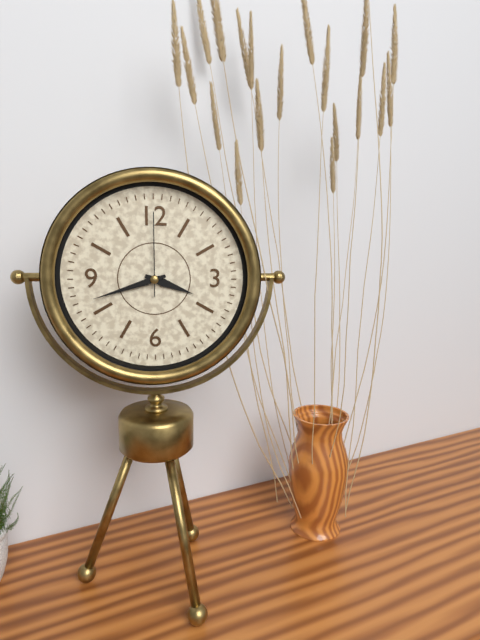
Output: 3h42m00s
